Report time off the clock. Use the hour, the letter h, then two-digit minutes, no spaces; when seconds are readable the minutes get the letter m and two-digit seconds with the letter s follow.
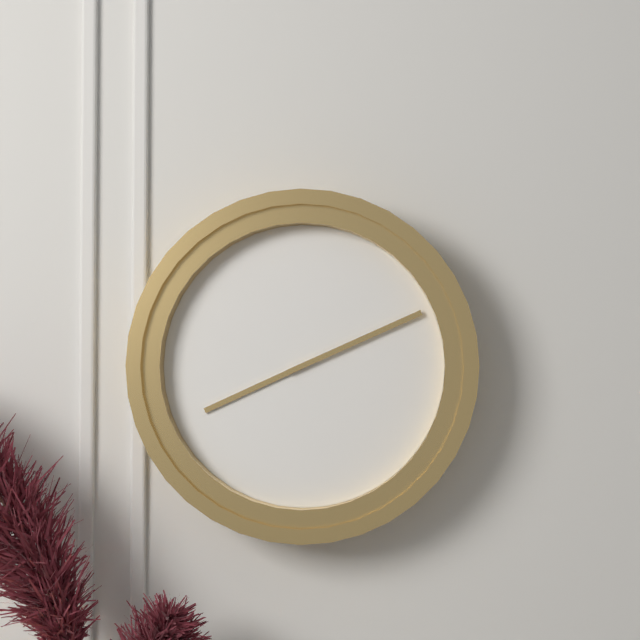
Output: 8h11
